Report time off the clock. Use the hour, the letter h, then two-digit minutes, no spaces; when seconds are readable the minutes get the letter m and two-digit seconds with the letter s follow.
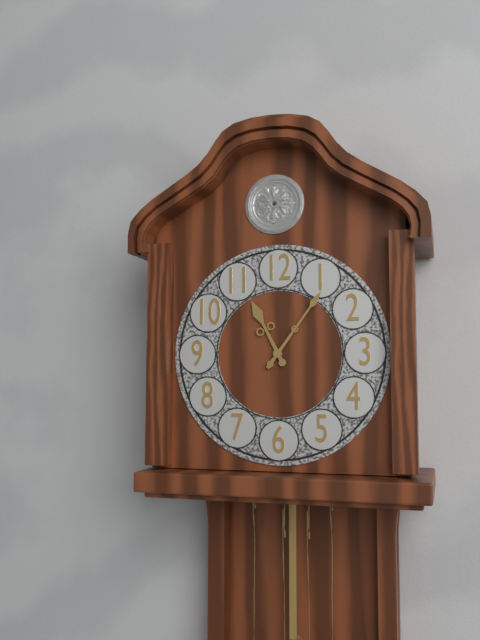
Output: 11h06
